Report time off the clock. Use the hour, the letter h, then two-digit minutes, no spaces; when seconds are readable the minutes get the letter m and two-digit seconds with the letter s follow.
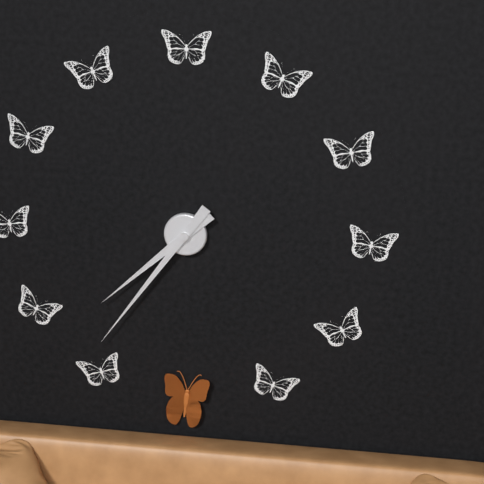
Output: 7h36
